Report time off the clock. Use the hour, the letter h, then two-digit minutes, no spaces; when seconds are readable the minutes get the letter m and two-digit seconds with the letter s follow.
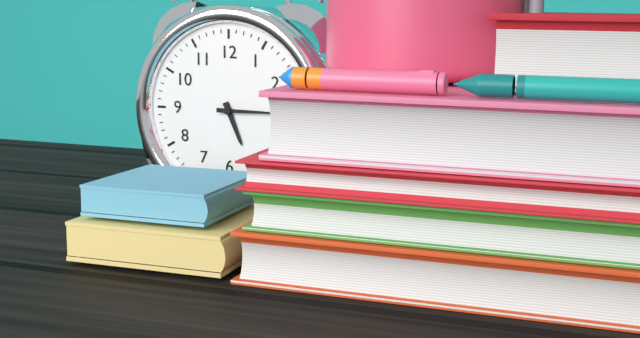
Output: 5h15
